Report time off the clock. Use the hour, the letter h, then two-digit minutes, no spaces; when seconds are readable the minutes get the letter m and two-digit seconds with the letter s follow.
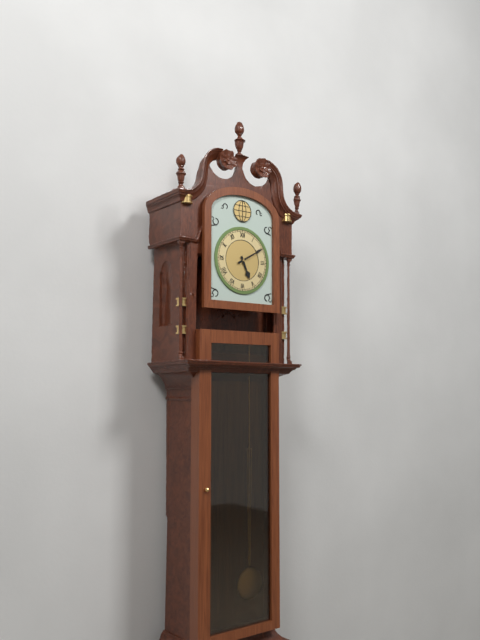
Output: 5h10
